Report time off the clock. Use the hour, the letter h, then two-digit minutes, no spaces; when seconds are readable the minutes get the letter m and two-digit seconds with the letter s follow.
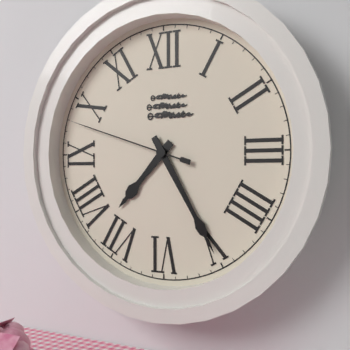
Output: 7h25m48s
